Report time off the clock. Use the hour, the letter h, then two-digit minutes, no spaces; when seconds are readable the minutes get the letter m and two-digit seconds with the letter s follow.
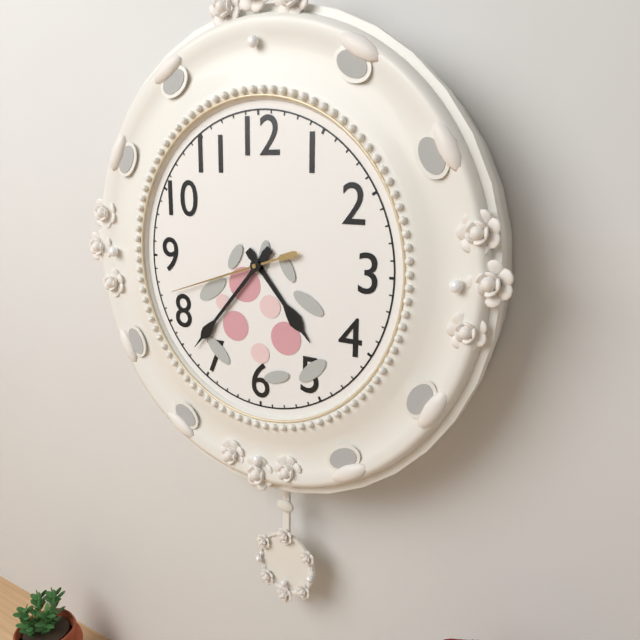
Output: 4h37m42s
